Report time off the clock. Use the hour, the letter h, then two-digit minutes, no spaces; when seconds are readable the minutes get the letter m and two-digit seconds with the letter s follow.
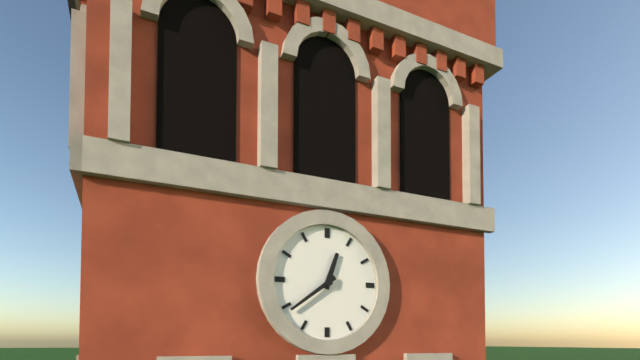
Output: 12h39
